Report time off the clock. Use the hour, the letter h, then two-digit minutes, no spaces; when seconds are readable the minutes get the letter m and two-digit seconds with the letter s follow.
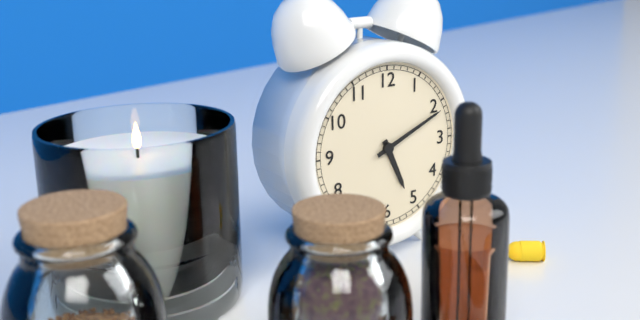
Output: 5h11
